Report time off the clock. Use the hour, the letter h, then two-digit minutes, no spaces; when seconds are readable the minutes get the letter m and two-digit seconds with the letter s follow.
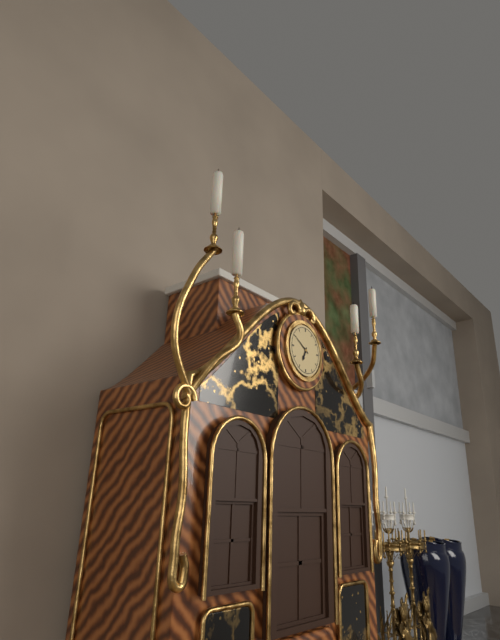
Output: 6h50
